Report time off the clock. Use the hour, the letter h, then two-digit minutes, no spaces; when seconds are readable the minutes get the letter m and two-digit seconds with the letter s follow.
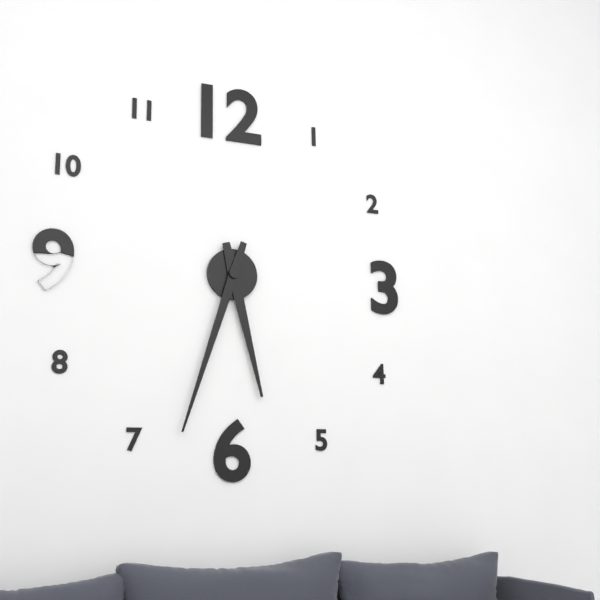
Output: 5h33
